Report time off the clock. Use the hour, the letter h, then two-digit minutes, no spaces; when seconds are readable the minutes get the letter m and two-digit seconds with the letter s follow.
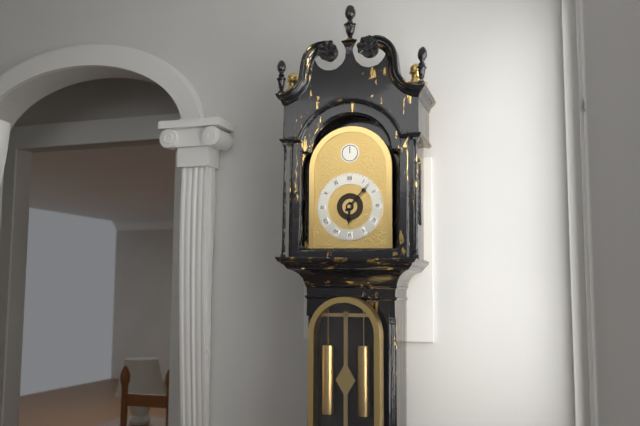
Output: 6h07
